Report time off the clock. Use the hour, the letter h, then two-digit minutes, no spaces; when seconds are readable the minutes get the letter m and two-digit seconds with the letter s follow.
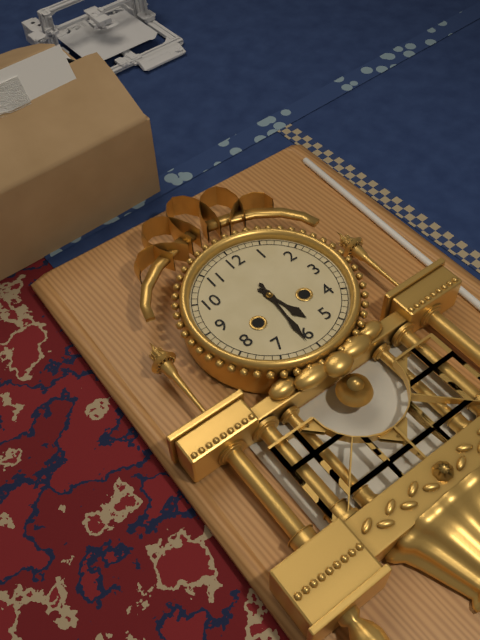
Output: 5h31
